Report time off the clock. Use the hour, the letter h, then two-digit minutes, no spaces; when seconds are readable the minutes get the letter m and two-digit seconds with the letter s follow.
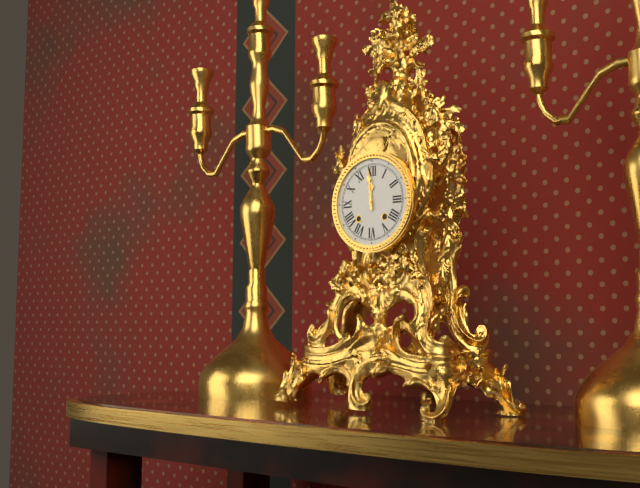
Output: 11h59
